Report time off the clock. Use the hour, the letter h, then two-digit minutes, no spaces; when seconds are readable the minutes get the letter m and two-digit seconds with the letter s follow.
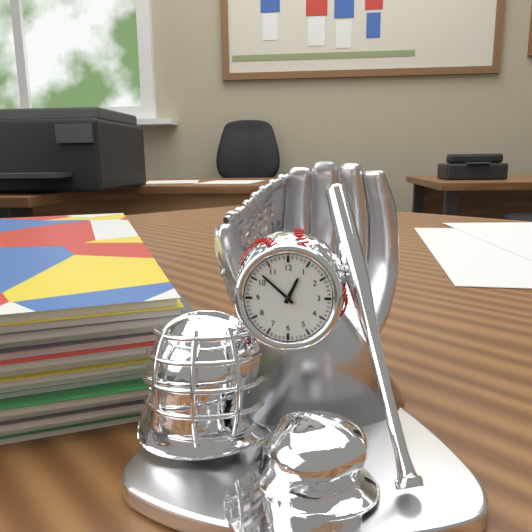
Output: 12h52
